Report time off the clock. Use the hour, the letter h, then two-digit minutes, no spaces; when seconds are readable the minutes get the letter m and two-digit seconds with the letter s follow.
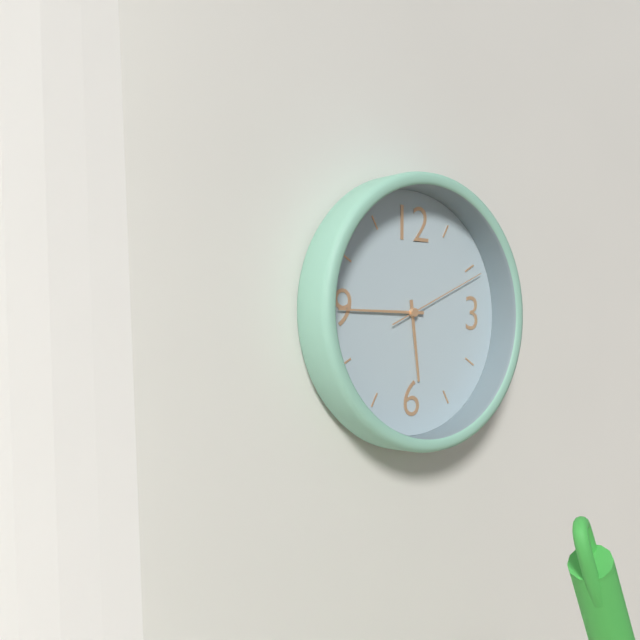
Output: 5h45m11s
